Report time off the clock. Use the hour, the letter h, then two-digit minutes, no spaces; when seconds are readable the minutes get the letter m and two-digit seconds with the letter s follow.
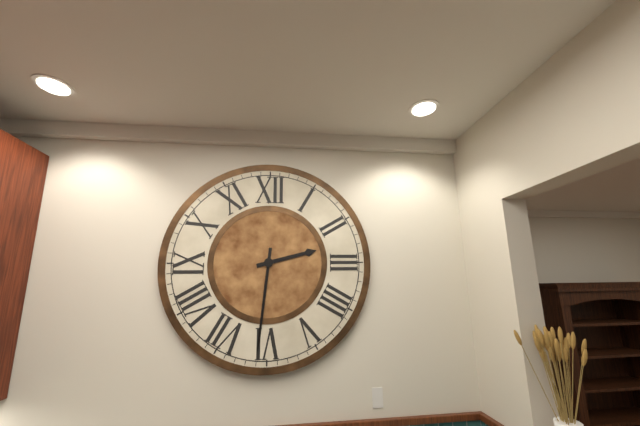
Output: 2h31
